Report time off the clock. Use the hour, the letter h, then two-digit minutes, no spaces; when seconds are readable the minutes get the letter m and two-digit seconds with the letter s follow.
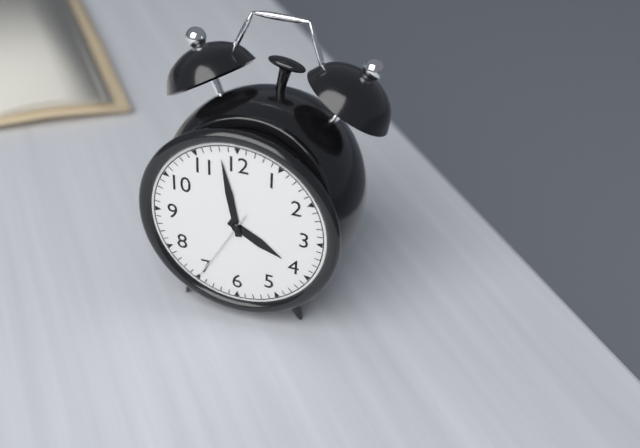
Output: 3h58m35s
